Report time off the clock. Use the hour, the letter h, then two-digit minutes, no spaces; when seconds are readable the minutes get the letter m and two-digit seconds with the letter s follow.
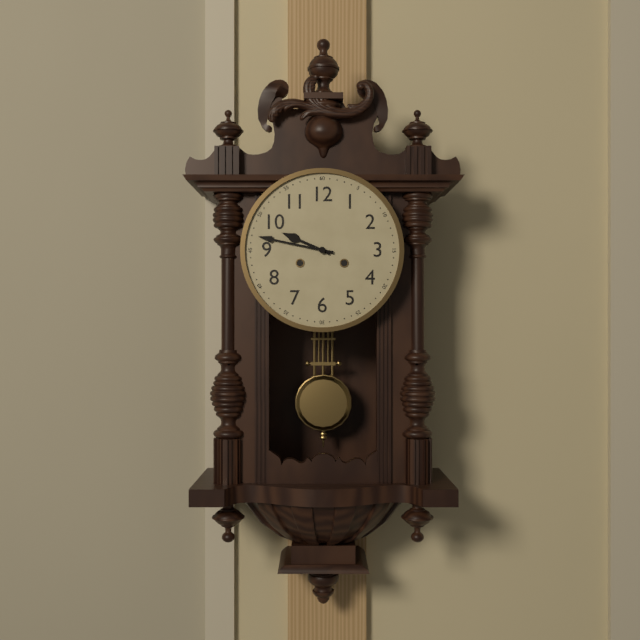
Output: 9h47
